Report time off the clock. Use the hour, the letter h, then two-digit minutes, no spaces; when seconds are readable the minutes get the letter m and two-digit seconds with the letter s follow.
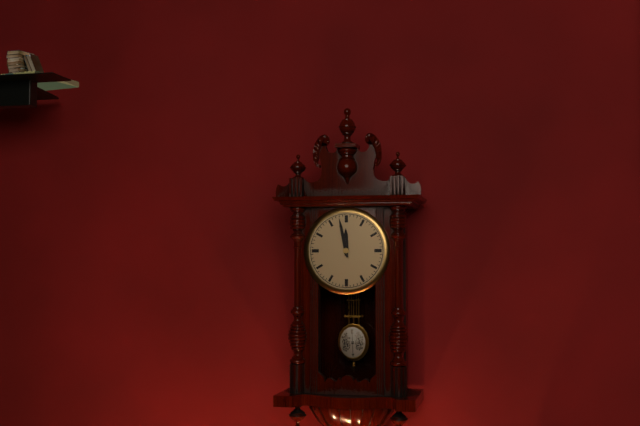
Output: 11h58
